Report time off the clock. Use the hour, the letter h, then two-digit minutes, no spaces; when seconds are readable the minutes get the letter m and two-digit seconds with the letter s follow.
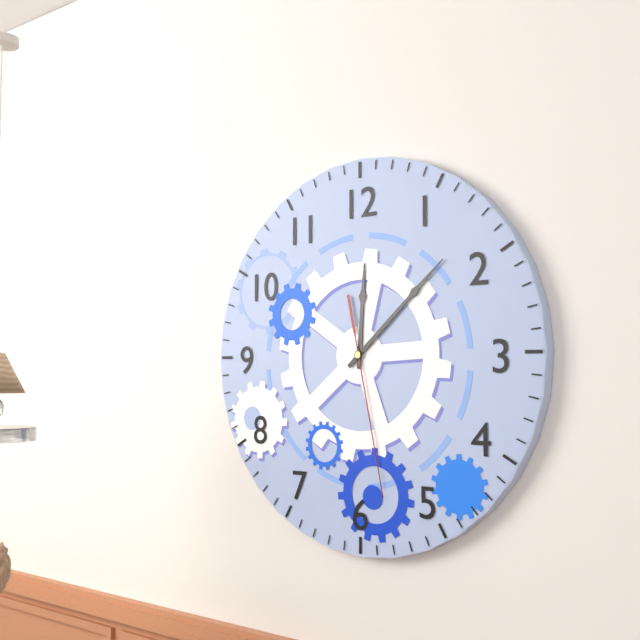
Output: 12h08m28s
